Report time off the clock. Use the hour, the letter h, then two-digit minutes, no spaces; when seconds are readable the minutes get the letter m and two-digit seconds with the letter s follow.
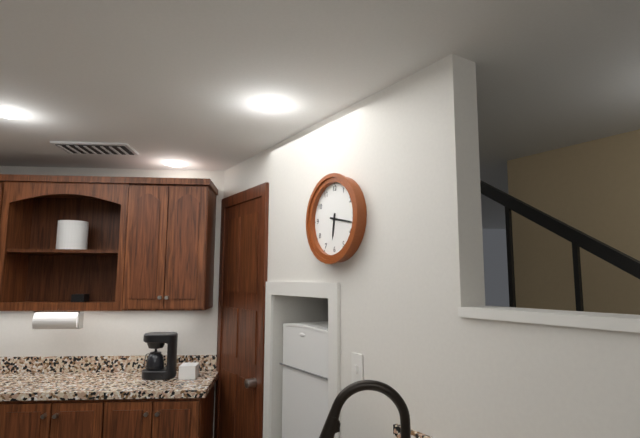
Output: 6h17
